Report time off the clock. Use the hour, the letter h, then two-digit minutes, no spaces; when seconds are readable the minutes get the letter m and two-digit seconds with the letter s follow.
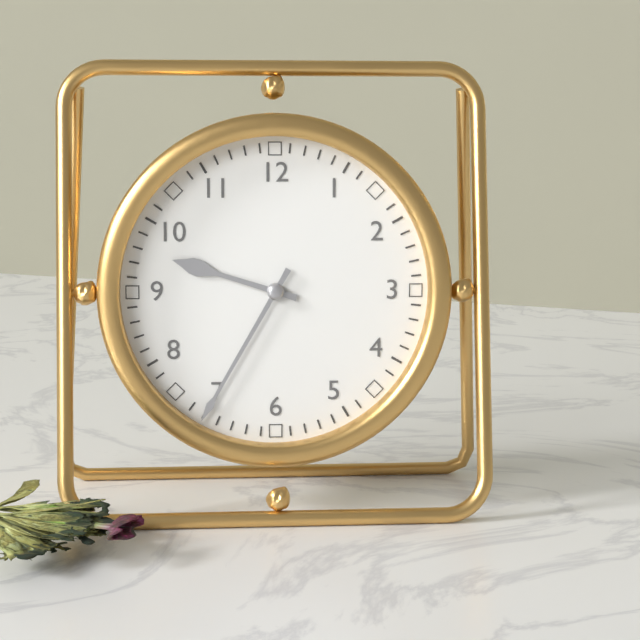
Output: 9h35
